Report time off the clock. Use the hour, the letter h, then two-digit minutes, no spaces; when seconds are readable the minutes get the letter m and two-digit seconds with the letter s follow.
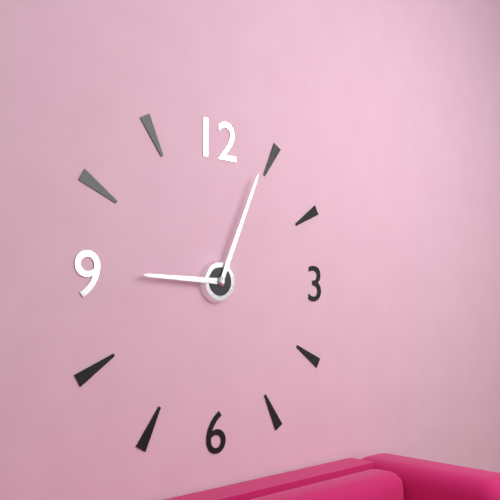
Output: 9h04
